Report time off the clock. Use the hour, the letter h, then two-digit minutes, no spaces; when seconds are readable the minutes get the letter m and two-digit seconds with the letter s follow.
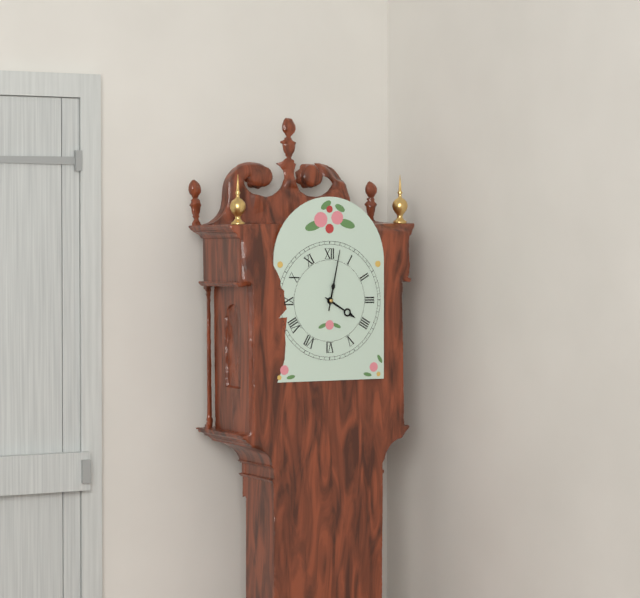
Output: 4h02
